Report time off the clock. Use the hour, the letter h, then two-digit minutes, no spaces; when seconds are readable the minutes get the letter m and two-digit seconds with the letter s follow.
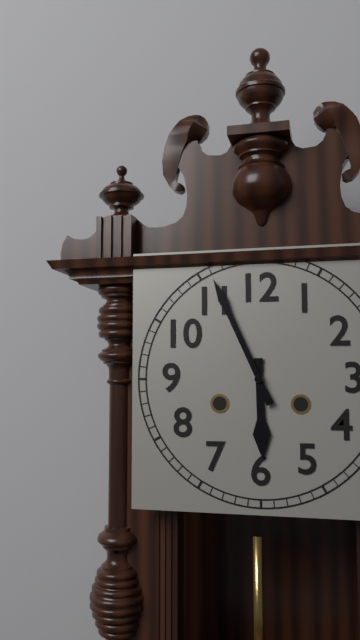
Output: 5h56
